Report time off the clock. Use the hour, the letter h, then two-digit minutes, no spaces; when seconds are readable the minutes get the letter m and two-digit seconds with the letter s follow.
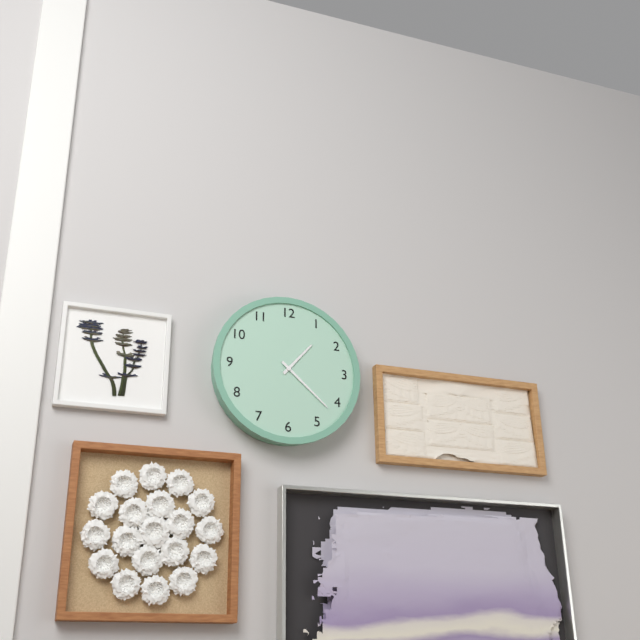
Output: 1h22
